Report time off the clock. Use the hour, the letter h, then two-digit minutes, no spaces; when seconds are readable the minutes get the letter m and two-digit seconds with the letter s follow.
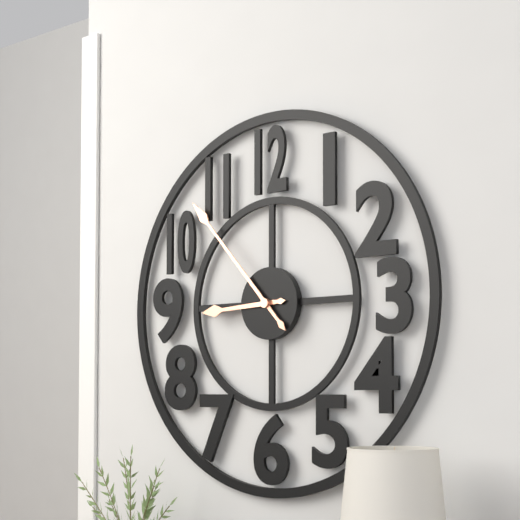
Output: 8h53
